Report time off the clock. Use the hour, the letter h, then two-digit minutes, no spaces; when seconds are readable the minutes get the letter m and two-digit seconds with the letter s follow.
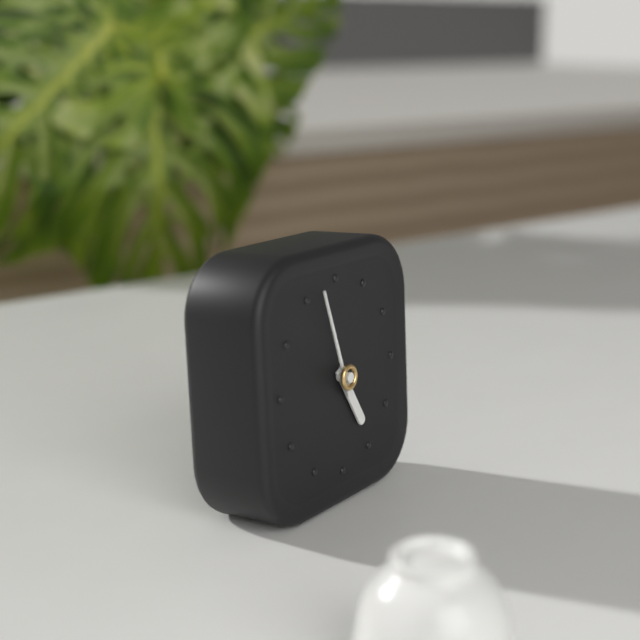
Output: 4h57
